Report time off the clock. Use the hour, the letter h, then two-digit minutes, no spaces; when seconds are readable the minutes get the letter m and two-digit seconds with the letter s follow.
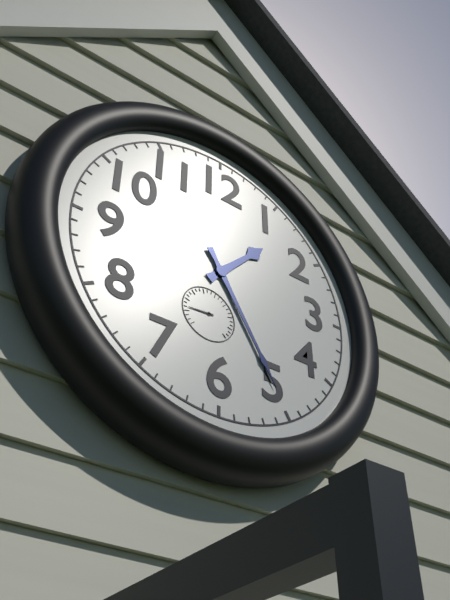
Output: 1h25
